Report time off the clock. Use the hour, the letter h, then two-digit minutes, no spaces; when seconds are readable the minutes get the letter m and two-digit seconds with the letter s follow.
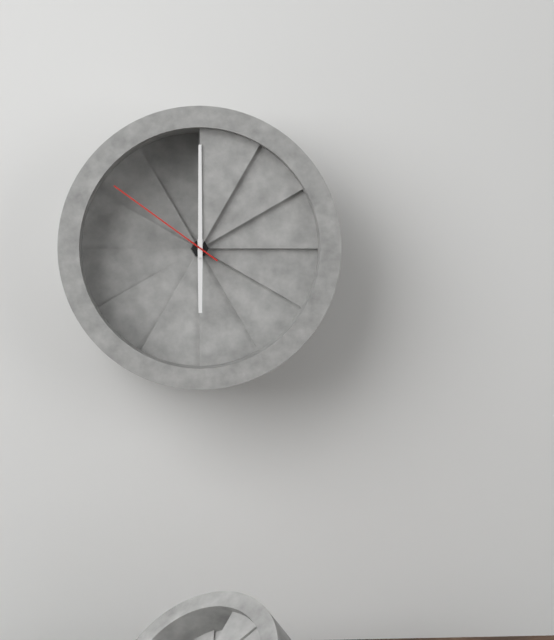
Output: 6h00m51s
